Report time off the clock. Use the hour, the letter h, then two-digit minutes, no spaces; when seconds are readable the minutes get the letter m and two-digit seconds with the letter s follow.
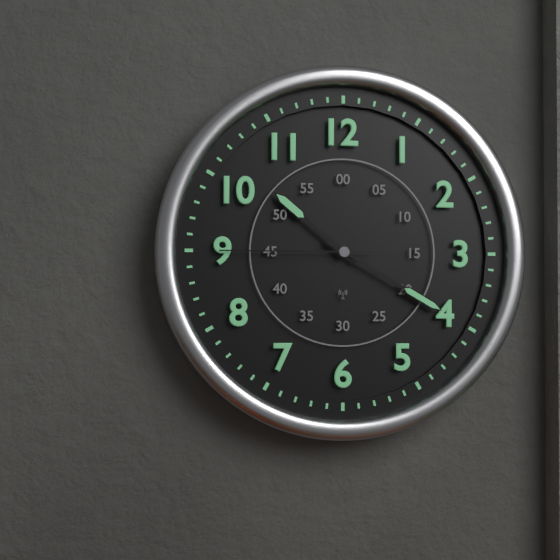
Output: 10h20m45s
